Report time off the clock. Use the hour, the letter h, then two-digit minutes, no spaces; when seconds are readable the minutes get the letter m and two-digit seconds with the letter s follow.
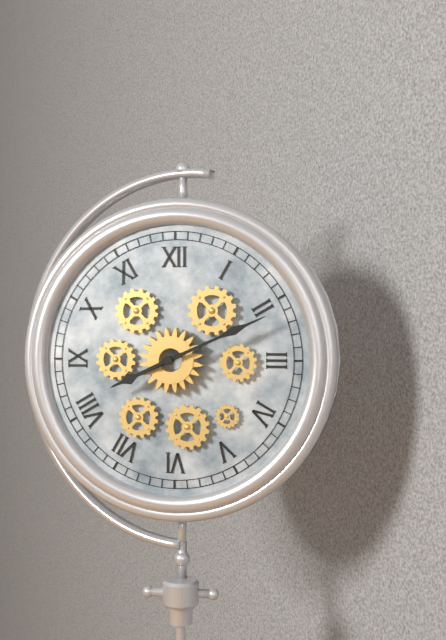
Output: 8h11
